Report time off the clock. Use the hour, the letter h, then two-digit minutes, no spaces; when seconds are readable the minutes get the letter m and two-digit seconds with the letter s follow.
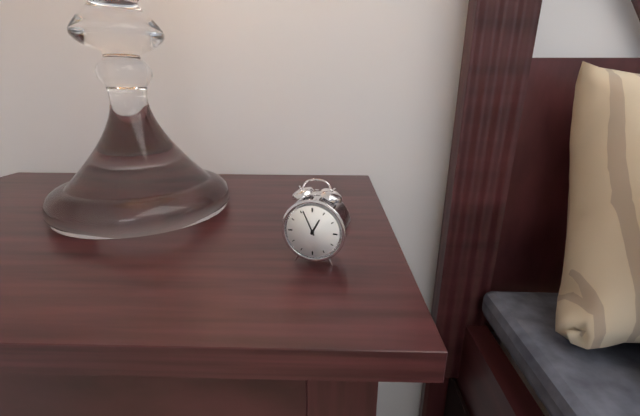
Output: 12h56
